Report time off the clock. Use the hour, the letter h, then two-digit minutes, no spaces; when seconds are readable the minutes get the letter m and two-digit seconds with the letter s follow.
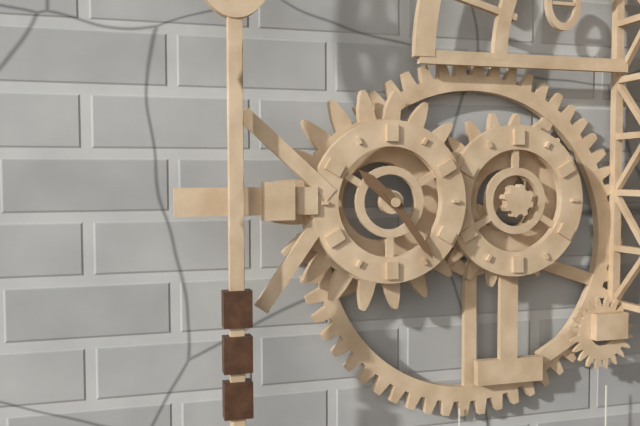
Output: 10h24
